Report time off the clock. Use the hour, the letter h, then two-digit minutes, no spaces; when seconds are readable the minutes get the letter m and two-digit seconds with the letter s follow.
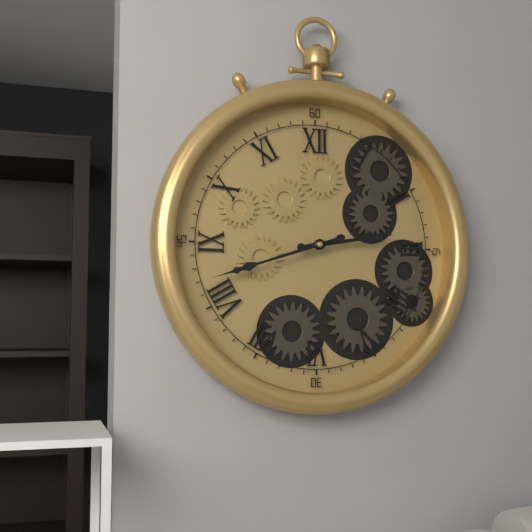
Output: 2h42
